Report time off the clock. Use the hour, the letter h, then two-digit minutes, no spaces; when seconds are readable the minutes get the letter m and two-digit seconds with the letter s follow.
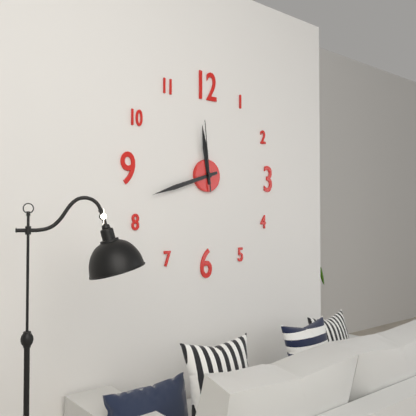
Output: 11h42m59s
